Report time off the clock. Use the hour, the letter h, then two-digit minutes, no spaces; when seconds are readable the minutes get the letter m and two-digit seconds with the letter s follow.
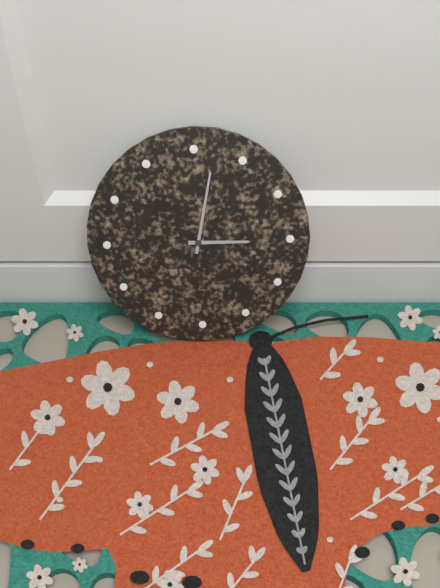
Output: 3h02
